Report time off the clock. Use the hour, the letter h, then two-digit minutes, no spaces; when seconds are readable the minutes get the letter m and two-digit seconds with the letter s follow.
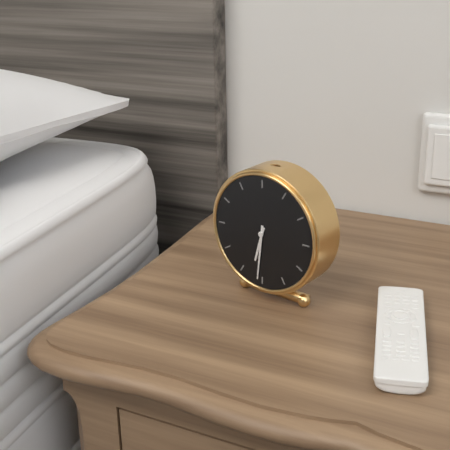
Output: 6h31
